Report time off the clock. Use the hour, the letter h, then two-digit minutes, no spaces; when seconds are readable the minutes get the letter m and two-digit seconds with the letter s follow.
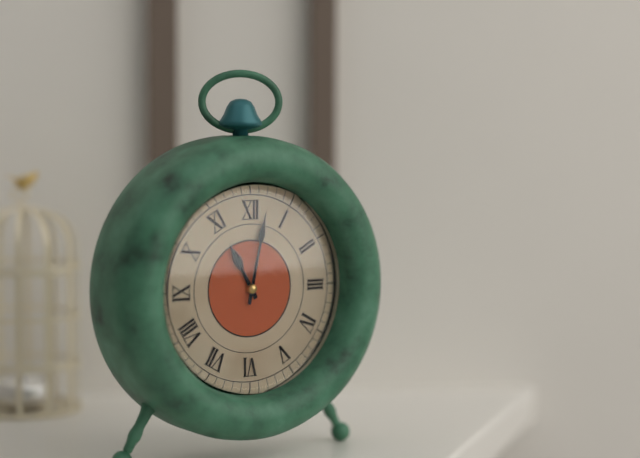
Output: 11h02
